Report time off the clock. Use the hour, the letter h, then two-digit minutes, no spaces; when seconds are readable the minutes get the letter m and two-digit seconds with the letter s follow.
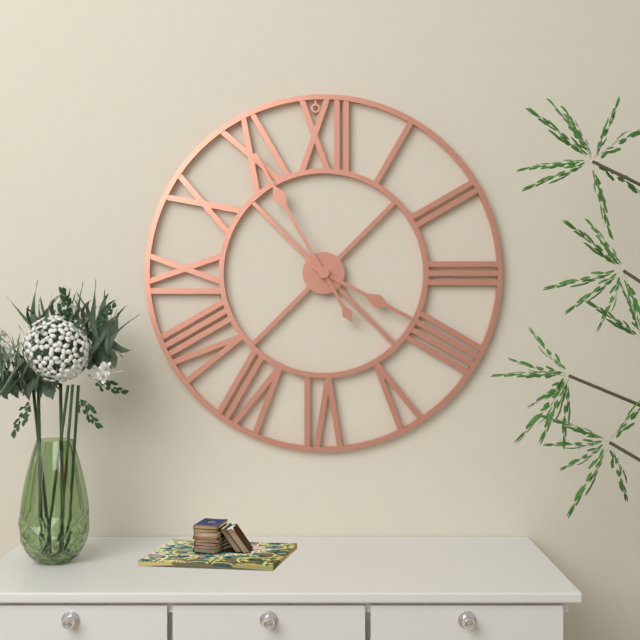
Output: 3h55
